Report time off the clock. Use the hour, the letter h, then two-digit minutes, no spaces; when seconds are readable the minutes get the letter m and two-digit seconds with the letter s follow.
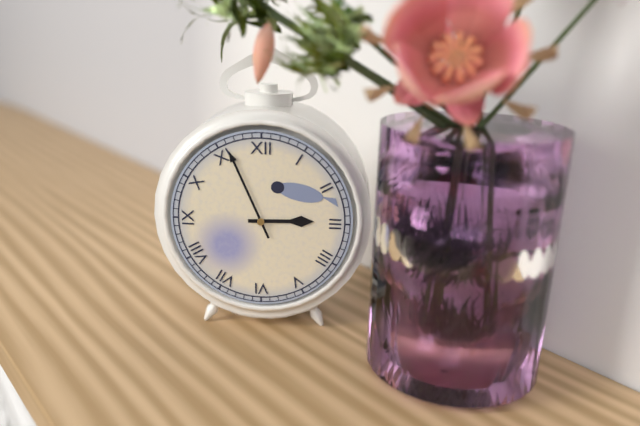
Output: 2h56
